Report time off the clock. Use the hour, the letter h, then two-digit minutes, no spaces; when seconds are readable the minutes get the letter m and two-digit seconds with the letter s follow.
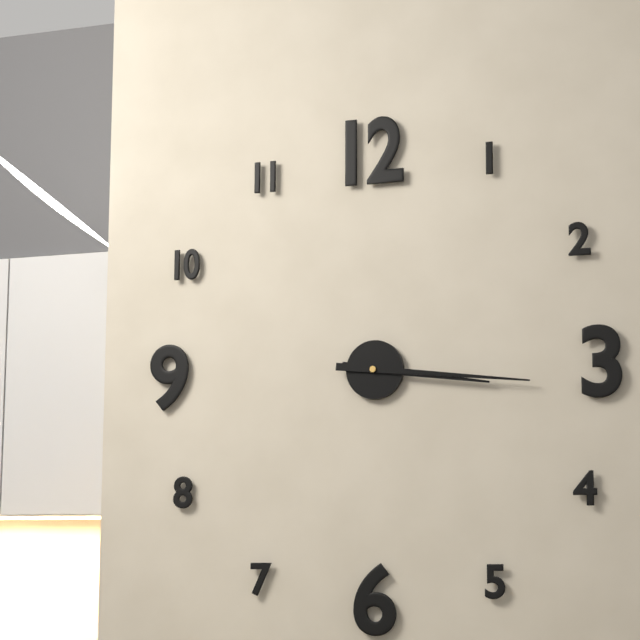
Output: 3h16
